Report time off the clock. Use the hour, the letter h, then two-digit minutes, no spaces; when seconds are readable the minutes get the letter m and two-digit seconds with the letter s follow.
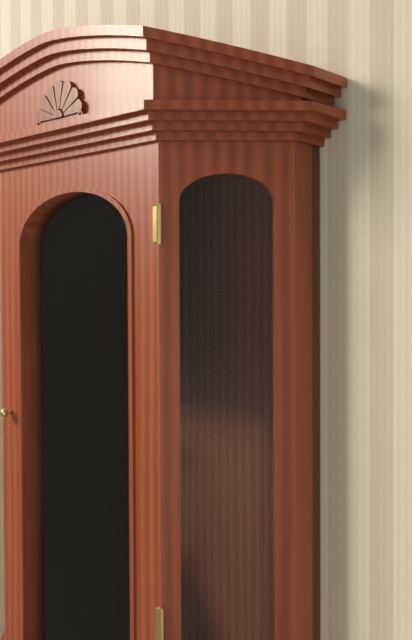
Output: 2h43
